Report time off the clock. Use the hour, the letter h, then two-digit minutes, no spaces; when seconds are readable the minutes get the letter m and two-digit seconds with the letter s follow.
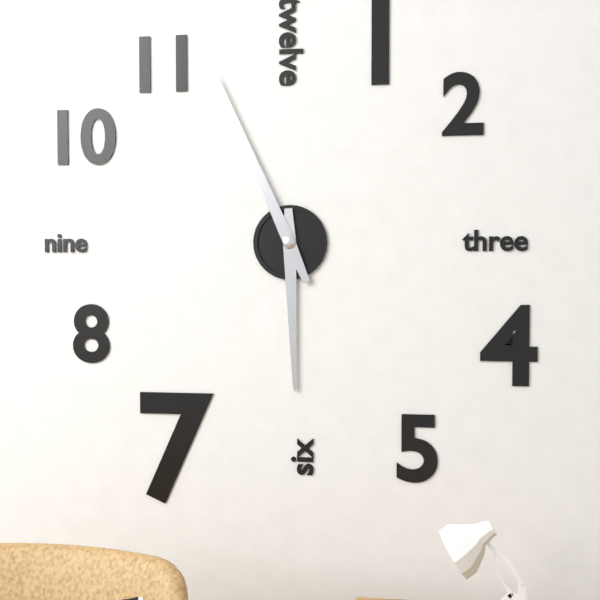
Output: 5h56
